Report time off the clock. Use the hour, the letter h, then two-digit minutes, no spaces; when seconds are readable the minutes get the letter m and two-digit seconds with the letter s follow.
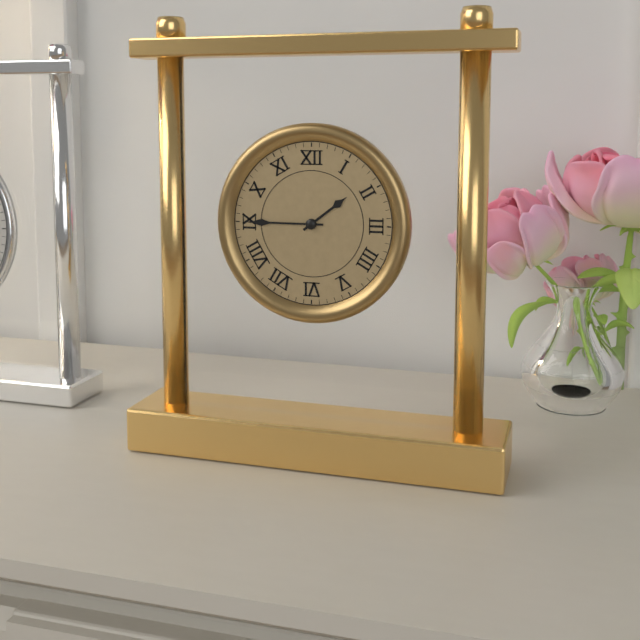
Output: 1h45
